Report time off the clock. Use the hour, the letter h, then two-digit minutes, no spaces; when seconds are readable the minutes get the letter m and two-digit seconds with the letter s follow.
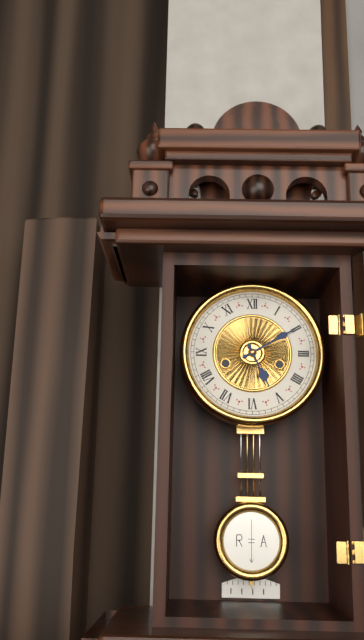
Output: 5h10
